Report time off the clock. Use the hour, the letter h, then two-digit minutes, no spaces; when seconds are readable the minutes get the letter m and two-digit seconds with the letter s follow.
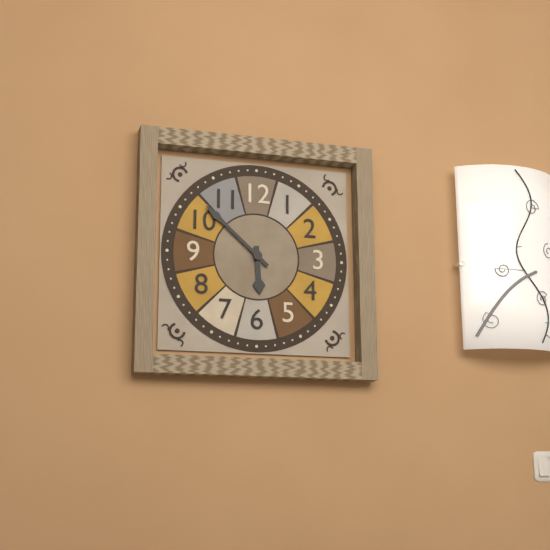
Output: 5h52
